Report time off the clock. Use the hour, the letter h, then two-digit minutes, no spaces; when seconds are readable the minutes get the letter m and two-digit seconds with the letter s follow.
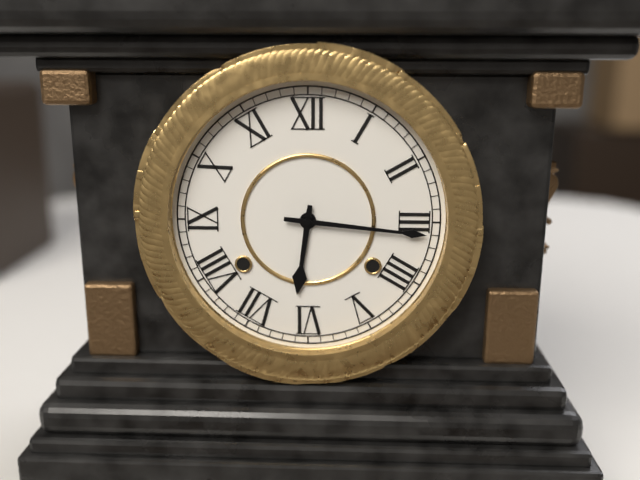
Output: 6h16
